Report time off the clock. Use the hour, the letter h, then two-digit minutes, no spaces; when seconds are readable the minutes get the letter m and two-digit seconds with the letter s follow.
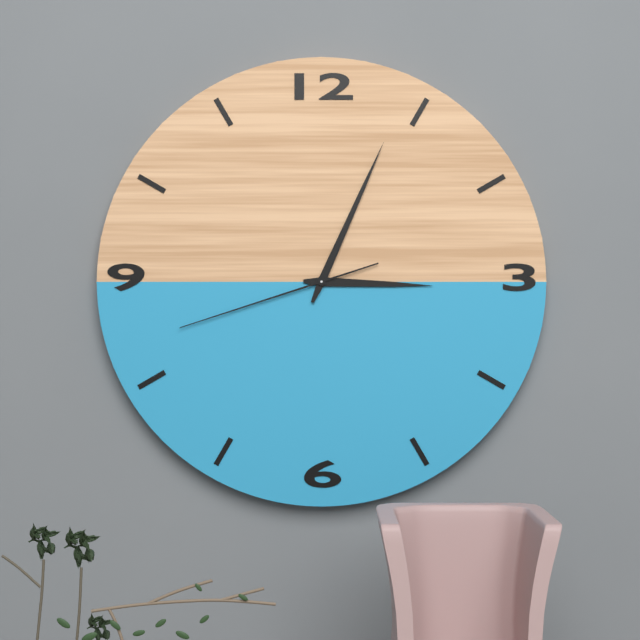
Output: 3h04m42s
